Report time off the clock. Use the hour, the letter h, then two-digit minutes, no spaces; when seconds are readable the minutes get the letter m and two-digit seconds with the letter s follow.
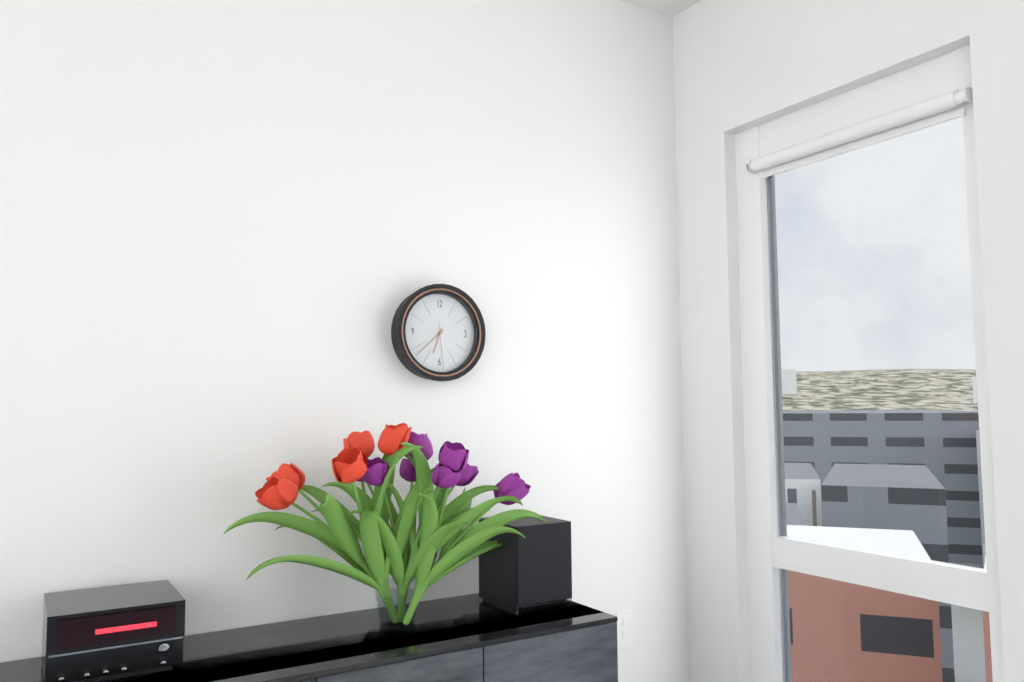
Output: 6h38
